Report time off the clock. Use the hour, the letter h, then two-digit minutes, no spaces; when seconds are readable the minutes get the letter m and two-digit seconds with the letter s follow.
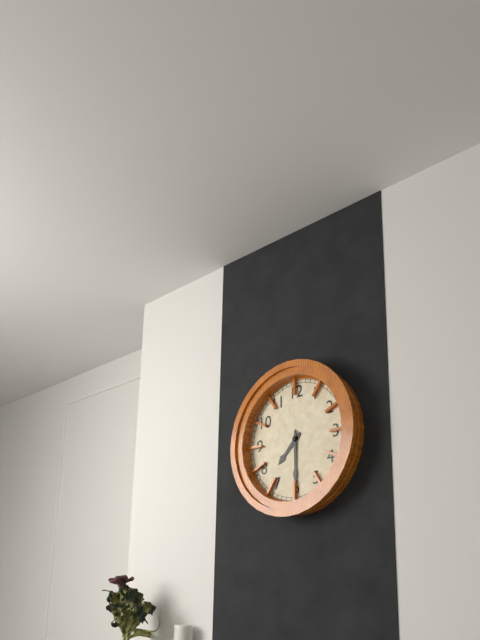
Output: 7h30
